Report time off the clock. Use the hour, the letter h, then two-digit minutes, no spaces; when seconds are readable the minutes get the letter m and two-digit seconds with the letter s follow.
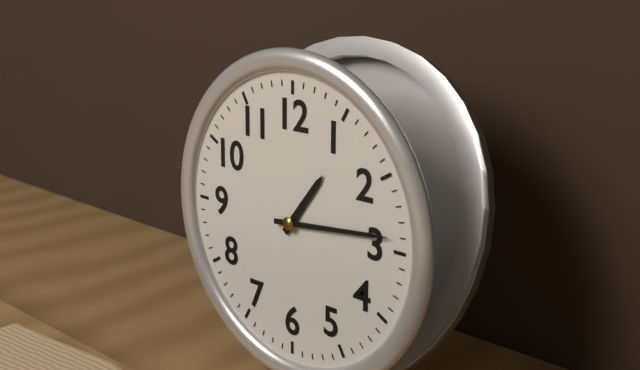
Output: 1h14
